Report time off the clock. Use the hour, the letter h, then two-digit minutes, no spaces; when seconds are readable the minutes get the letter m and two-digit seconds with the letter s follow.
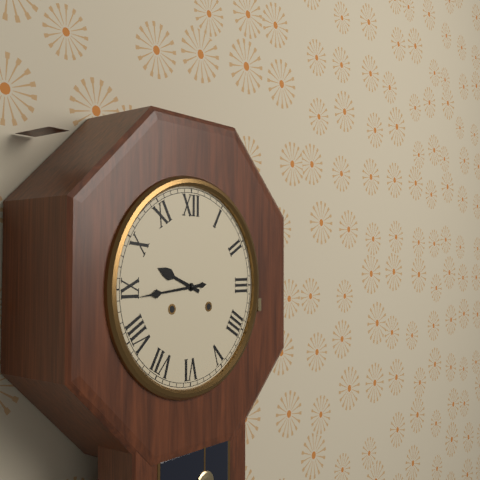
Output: 9h44
